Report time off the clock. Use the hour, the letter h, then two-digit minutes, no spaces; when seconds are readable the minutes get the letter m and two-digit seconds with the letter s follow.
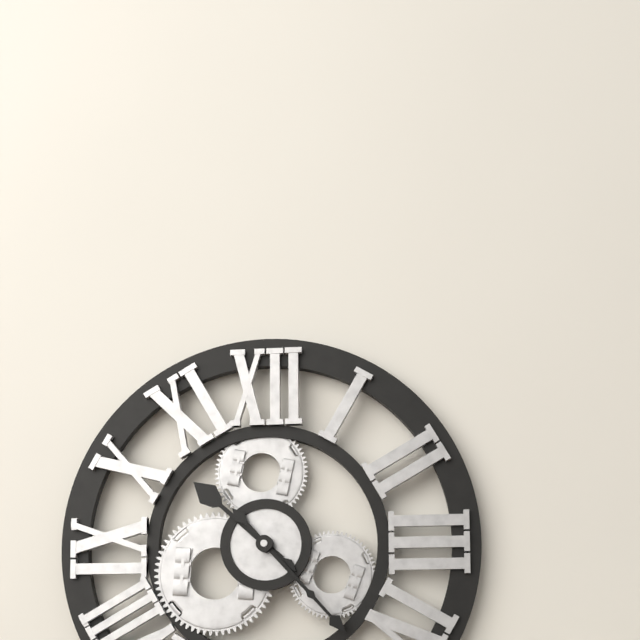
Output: 10h23
